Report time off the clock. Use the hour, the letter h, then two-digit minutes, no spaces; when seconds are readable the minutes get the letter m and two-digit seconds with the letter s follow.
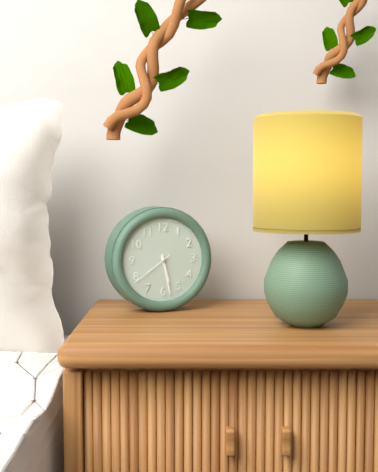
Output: 5h28
